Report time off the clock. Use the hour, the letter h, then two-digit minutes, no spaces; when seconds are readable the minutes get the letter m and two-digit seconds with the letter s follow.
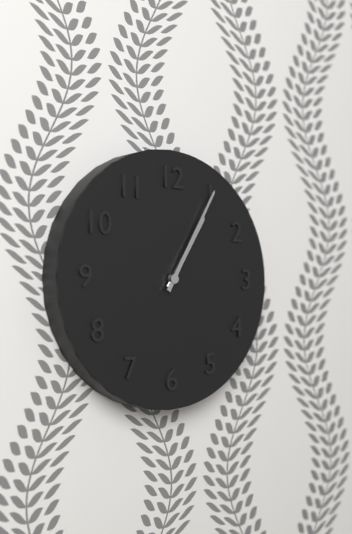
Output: 1h05
